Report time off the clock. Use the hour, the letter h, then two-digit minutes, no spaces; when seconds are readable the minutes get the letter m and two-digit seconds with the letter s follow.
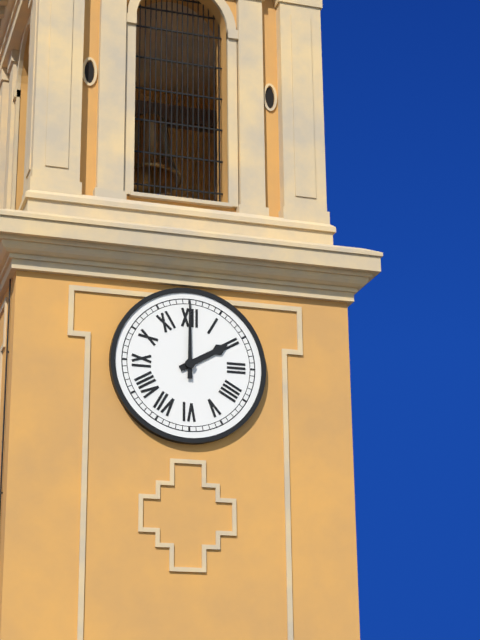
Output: 2h00
